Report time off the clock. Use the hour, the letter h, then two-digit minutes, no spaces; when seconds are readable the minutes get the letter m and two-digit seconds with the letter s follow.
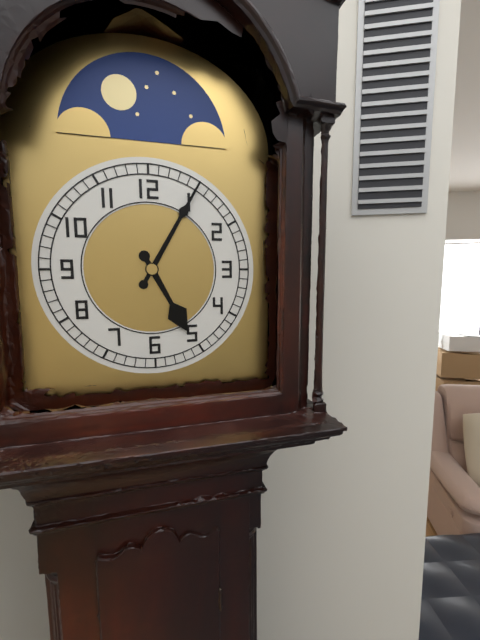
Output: 5h05
